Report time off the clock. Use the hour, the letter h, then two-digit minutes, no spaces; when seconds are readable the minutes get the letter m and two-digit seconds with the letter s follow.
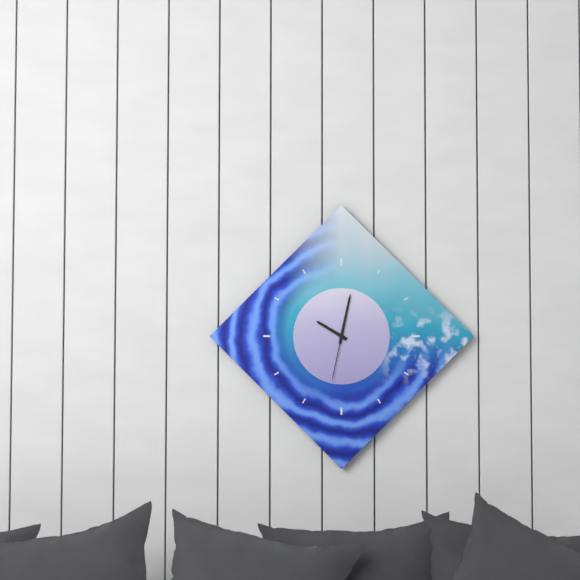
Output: 10h02m32s
